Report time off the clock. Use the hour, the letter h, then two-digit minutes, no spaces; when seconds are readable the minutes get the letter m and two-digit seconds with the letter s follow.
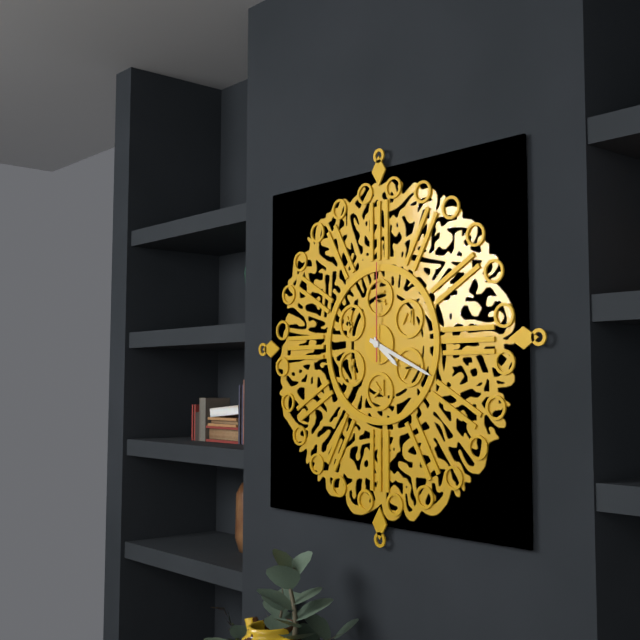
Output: 4h19m00s
